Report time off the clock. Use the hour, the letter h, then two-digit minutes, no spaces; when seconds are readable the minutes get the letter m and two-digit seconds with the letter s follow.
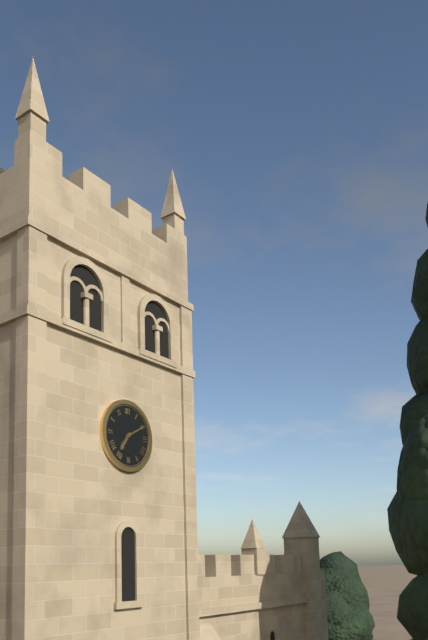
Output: 7h10
